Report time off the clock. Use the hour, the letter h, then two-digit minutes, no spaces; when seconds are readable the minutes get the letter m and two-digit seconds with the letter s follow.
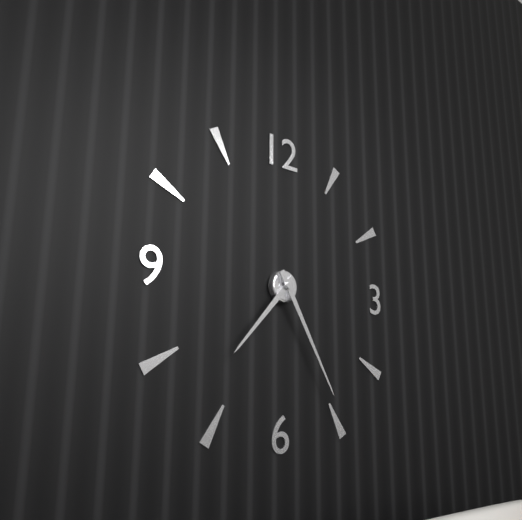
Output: 7h25
